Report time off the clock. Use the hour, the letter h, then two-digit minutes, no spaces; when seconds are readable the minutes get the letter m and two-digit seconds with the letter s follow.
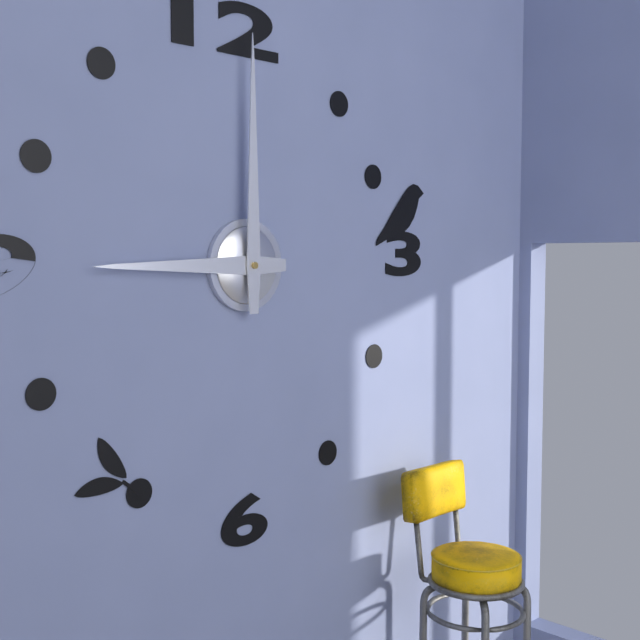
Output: 9h00
